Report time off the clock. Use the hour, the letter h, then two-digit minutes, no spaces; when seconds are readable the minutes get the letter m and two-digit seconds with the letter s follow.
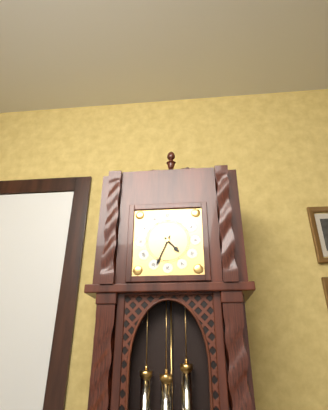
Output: 4h34
